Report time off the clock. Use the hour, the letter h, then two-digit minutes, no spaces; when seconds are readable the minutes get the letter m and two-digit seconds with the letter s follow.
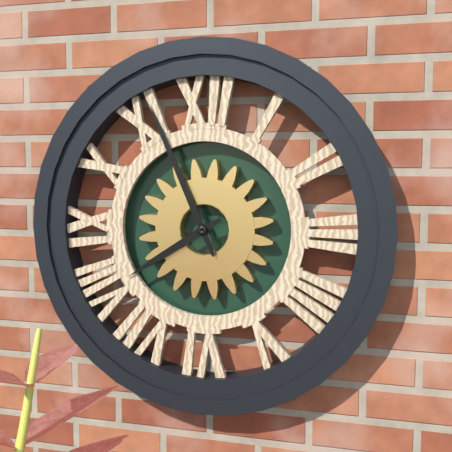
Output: 7h56
